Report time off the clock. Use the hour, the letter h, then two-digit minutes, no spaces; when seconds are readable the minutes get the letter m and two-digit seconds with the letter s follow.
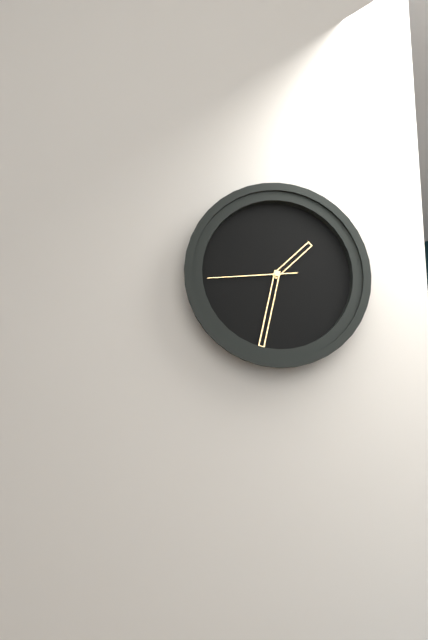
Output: 1h32m44s
